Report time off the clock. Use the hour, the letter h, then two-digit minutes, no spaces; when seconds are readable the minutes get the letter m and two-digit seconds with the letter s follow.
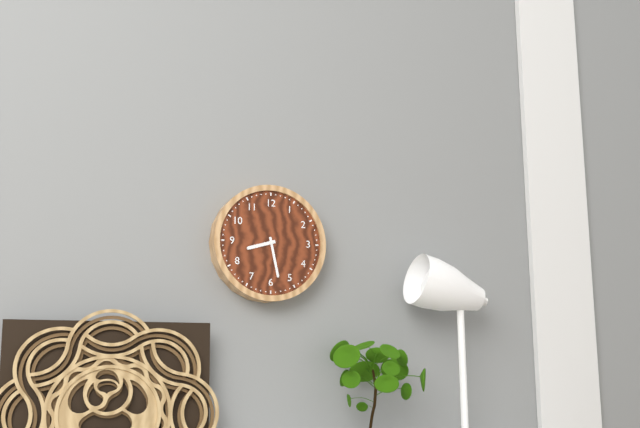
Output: 8h28
